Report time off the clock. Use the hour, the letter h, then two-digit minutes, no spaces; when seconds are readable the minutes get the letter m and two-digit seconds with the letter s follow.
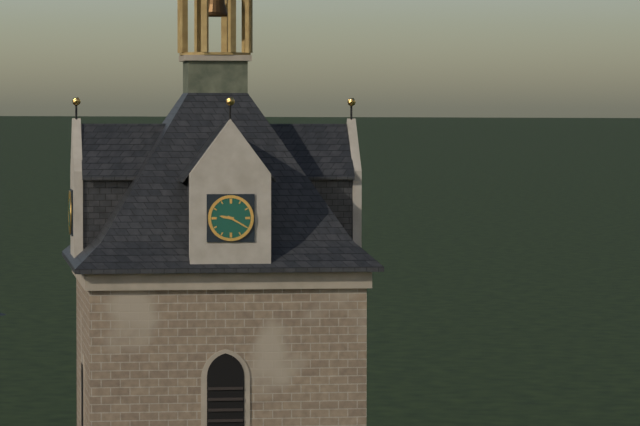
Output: 9h20
